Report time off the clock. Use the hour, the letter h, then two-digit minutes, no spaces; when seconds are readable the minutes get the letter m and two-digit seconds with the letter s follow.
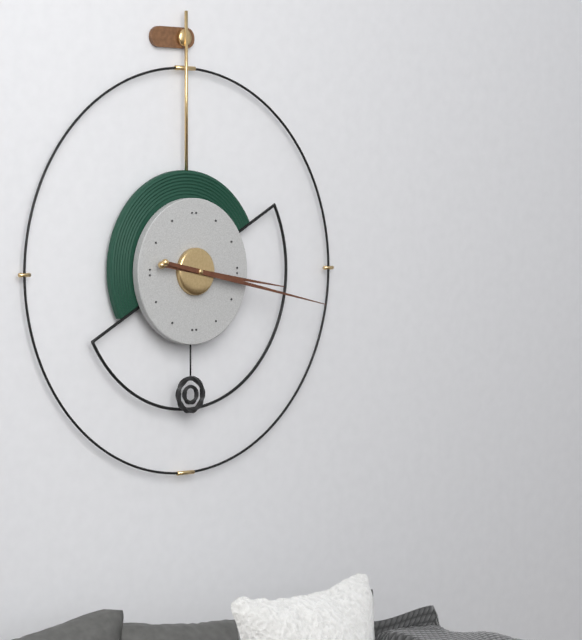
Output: 3h17
